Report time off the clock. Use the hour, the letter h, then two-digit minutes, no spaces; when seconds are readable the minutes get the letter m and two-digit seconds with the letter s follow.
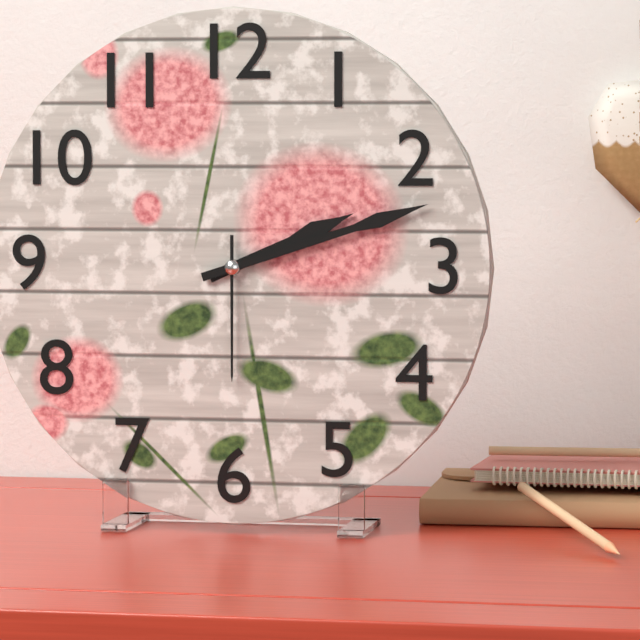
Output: 2h12m30s
